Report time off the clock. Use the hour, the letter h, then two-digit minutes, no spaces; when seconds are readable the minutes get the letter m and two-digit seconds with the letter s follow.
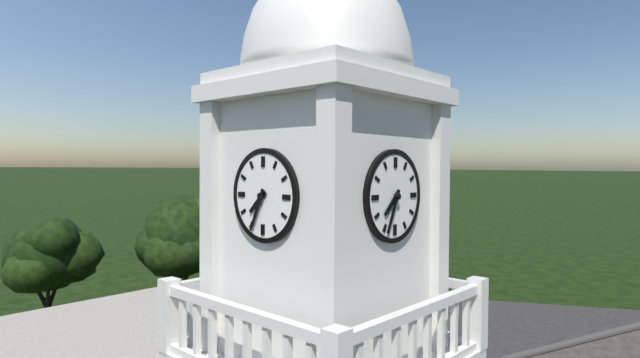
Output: 7h34
